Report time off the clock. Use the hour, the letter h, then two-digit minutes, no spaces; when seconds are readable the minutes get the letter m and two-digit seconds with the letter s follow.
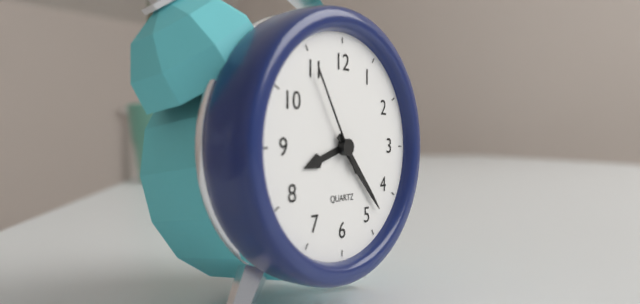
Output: 8h23m55s
